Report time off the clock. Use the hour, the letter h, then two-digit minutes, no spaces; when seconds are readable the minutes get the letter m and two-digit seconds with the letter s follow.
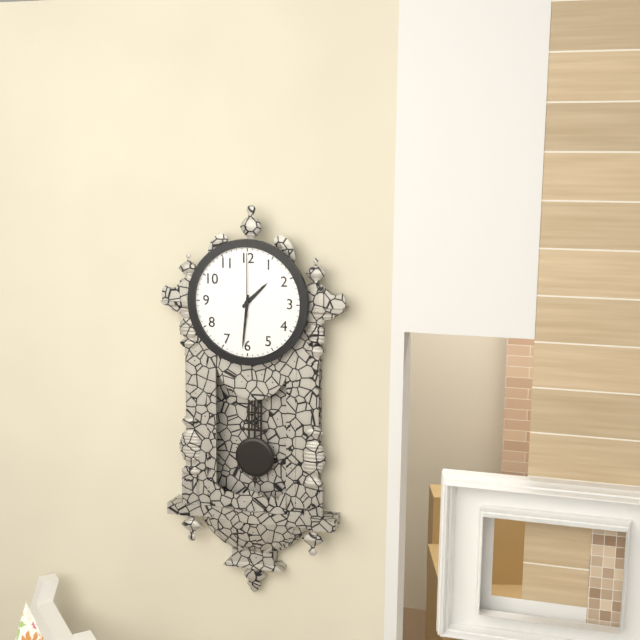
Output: 1h31m00s
